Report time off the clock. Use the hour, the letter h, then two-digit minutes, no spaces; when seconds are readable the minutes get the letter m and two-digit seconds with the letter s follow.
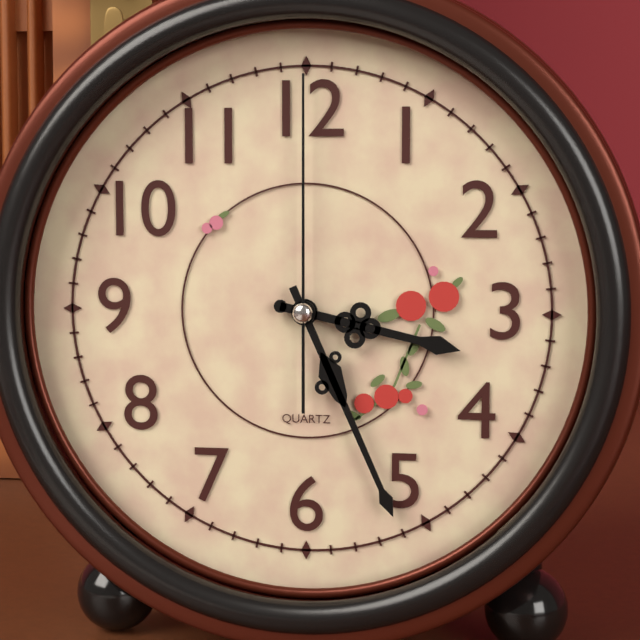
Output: 3h26m00s
